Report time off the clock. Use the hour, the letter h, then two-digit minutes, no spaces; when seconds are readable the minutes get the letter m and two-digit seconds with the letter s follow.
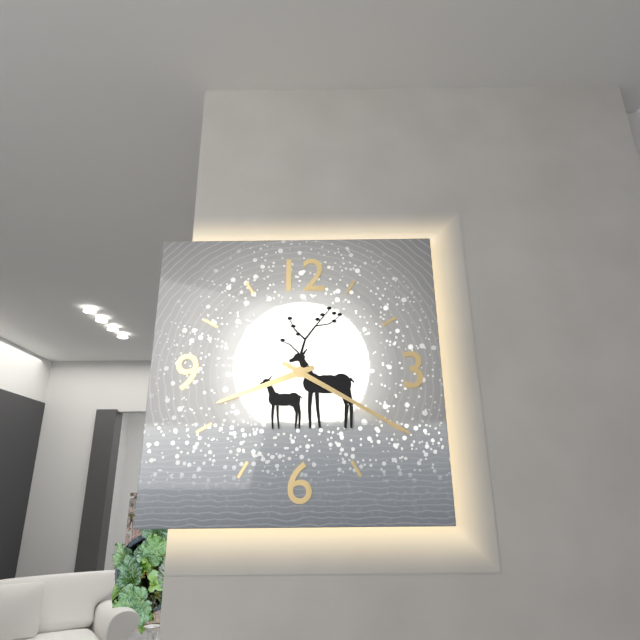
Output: 8h20
